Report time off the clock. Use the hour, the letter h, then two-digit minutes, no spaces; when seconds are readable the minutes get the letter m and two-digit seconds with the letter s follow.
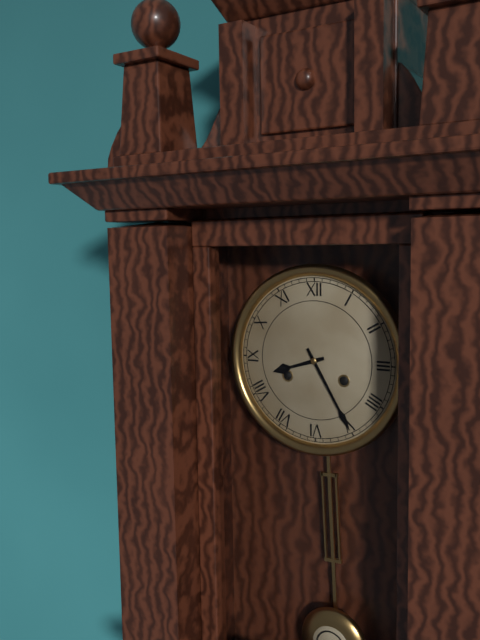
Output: 8h25
